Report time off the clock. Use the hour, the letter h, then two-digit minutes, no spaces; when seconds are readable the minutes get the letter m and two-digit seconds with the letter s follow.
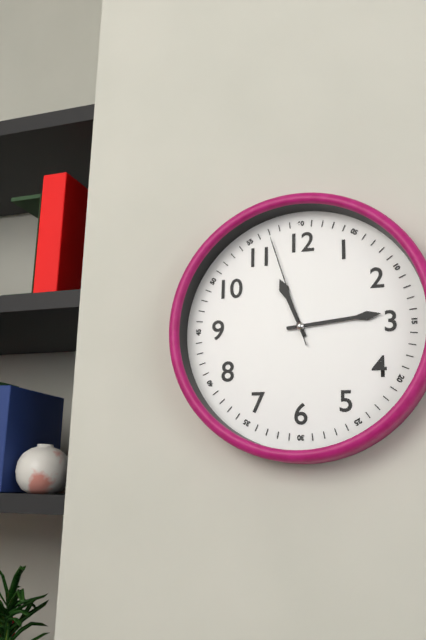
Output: 11h14m57s
